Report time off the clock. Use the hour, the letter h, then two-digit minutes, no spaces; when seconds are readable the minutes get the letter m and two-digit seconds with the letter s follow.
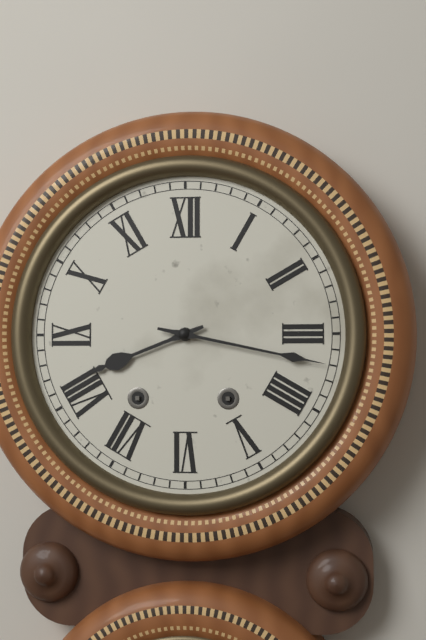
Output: 8h17
